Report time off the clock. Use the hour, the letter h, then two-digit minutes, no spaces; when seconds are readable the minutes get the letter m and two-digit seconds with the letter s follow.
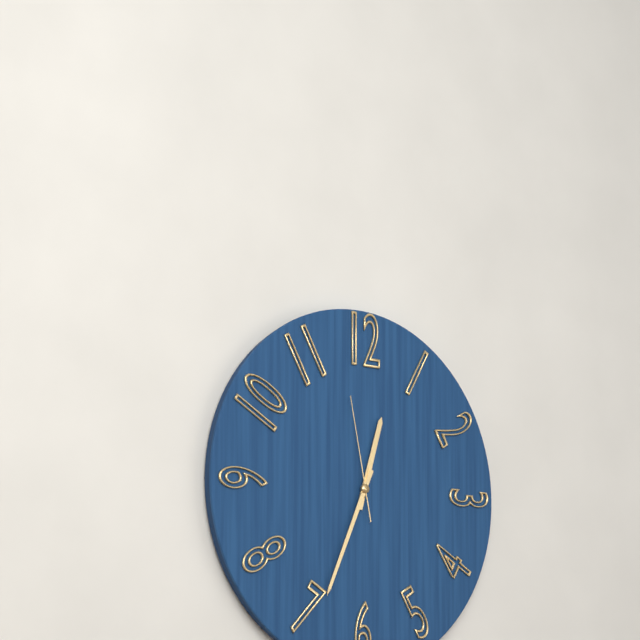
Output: 12h34m58s
